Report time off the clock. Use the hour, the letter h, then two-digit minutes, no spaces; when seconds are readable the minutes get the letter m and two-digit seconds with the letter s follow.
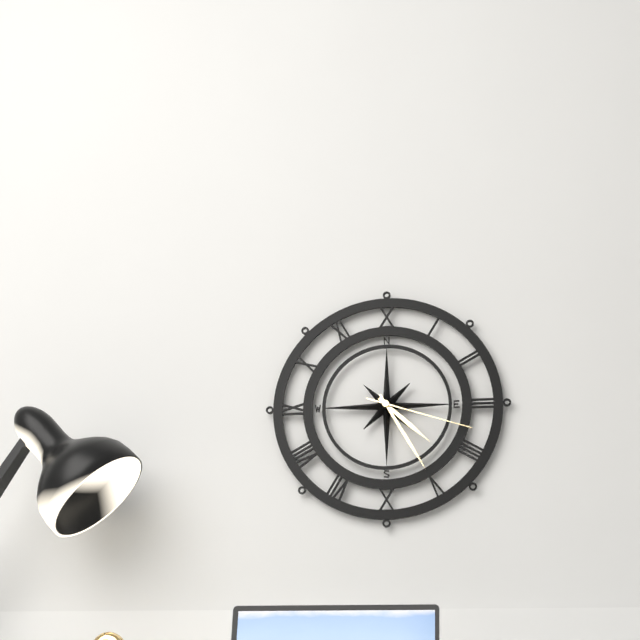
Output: 4h25m18s
